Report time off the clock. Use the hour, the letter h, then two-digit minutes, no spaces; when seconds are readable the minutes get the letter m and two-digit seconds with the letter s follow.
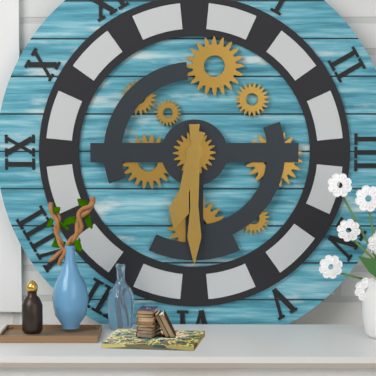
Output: 6h30
